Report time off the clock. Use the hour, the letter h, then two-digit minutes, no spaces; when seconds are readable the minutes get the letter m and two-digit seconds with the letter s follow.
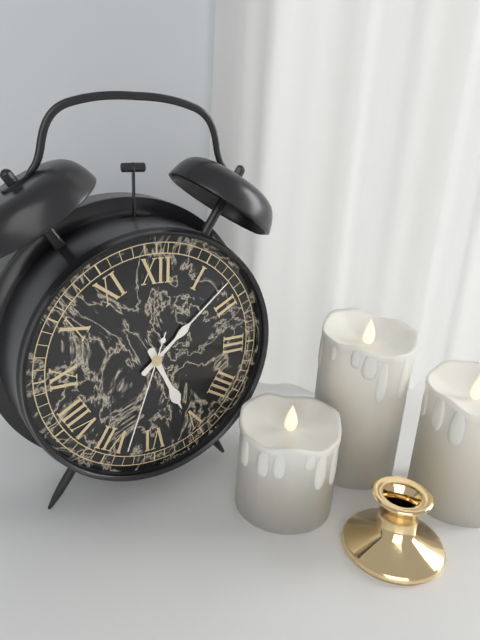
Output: 5h08m33s
